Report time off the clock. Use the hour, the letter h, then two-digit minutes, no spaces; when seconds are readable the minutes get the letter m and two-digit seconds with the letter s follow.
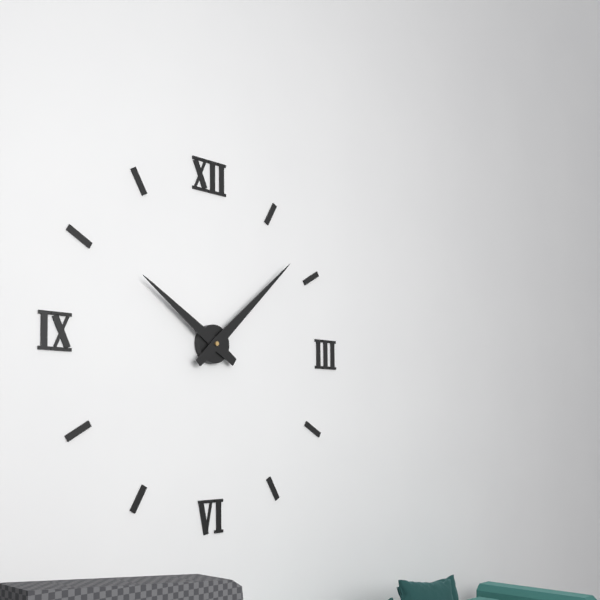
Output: 10h08
